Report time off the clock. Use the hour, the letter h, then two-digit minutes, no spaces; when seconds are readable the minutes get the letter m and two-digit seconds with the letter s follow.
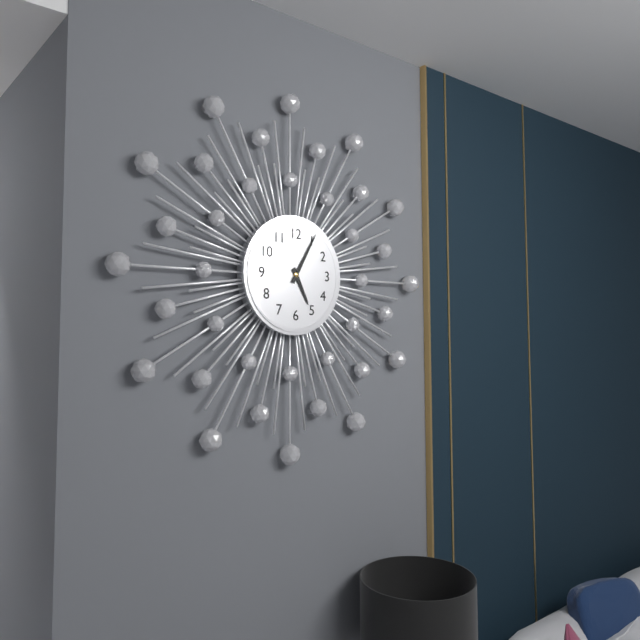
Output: 5h05
